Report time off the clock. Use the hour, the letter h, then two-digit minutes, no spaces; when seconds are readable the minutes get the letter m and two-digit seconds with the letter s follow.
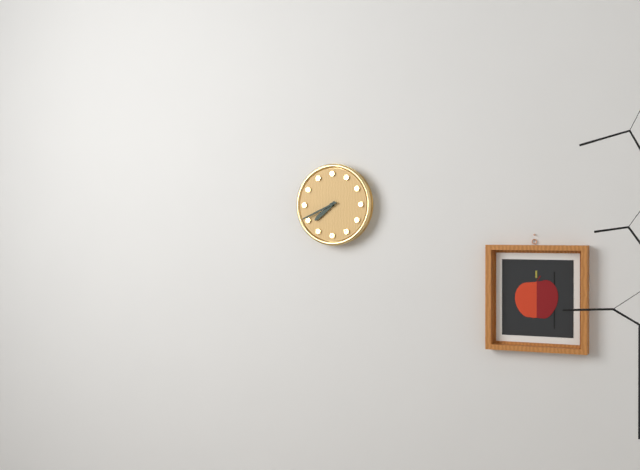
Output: 7h41
